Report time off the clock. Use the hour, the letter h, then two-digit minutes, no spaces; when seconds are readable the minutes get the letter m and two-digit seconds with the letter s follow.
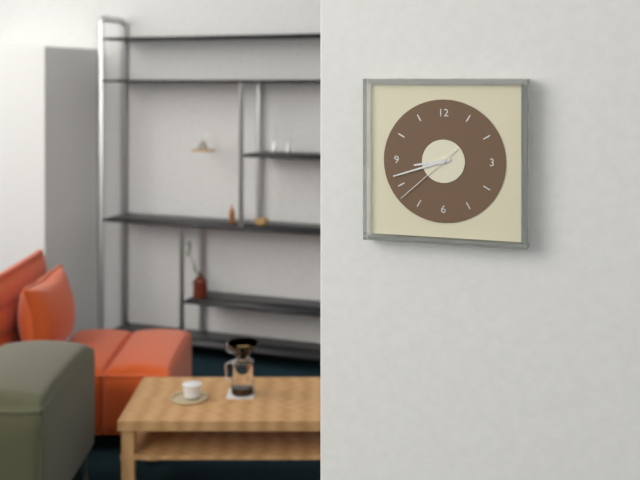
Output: 8h42m38s
